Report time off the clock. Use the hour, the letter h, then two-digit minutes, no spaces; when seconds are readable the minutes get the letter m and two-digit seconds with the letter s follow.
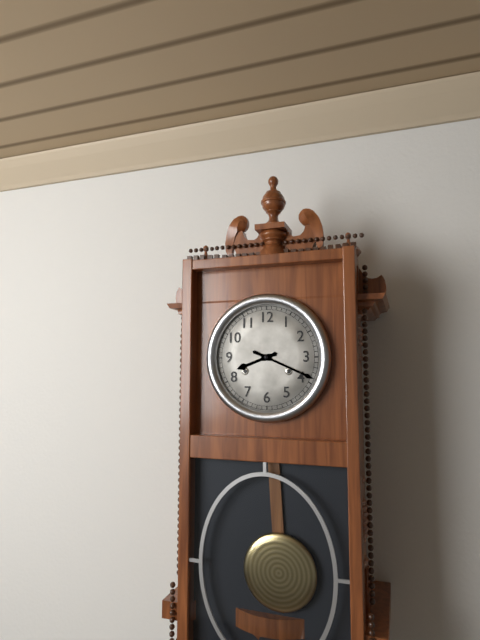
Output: 8h19
